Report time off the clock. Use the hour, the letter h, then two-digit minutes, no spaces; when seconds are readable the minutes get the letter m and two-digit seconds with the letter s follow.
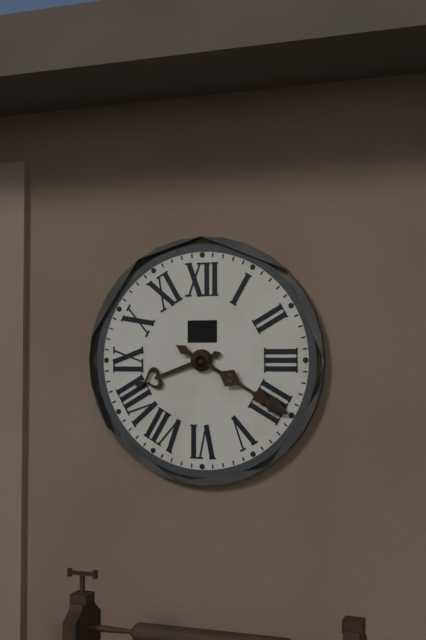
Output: 8h20
